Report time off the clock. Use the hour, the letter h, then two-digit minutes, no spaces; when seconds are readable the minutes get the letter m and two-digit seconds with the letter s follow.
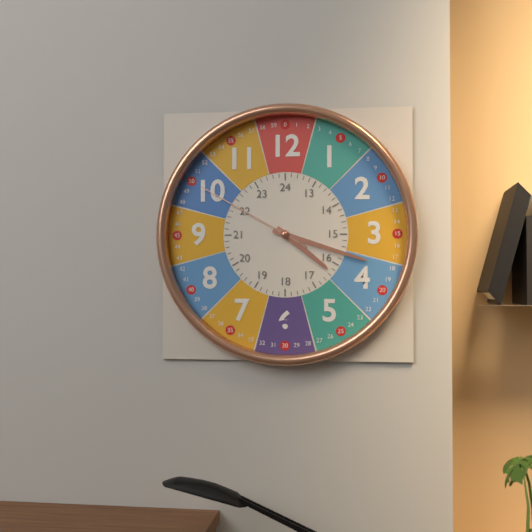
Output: 4h18m50s
